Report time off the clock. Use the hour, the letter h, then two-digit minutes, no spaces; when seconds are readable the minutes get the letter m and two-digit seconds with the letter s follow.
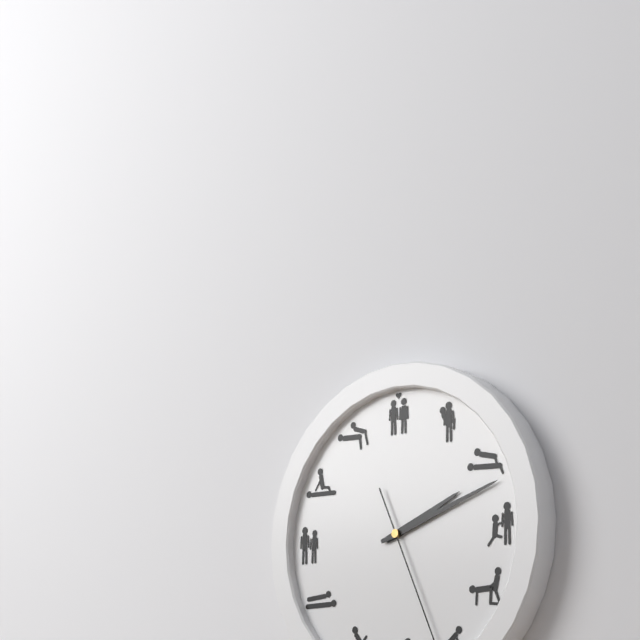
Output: 2h12
